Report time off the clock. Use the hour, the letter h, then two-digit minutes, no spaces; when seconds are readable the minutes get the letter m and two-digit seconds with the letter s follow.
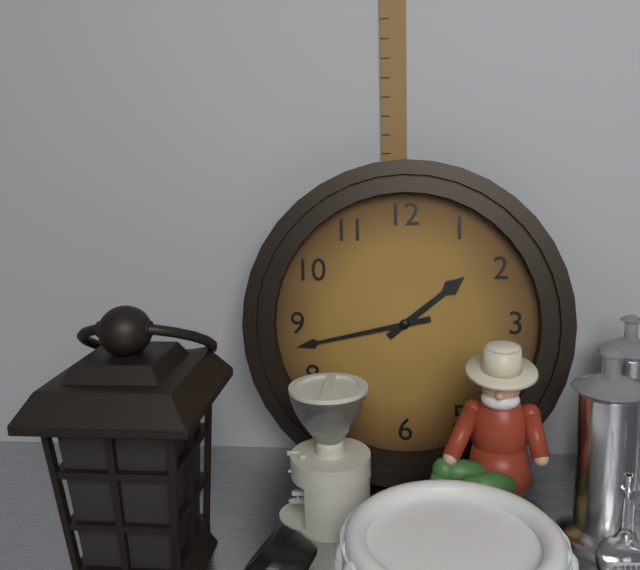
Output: 1h43
